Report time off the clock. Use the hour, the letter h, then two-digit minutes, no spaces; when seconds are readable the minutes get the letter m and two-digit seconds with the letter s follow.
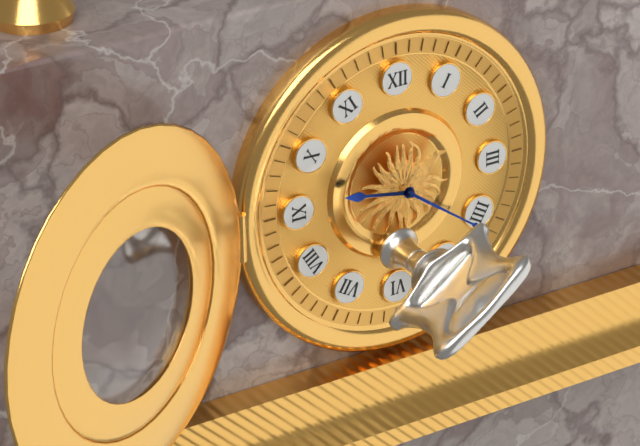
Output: 9h21
